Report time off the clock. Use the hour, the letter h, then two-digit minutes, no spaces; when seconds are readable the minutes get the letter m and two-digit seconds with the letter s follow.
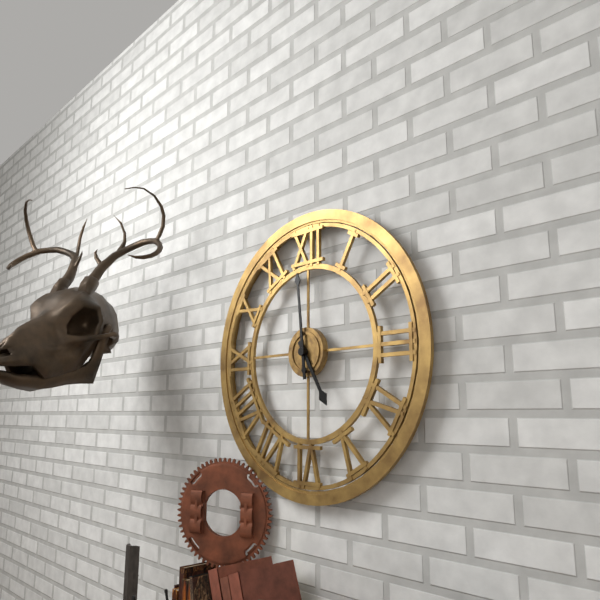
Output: 4h59
